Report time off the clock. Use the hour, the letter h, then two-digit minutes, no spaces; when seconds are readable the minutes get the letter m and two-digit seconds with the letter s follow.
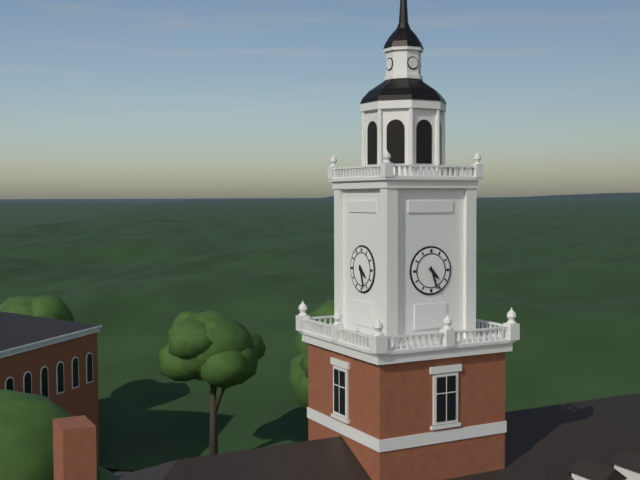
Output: 4h27
